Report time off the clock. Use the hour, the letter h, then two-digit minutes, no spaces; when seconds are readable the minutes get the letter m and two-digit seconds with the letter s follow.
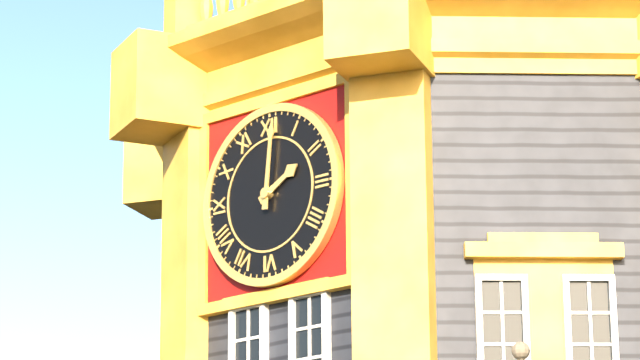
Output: 2h01
